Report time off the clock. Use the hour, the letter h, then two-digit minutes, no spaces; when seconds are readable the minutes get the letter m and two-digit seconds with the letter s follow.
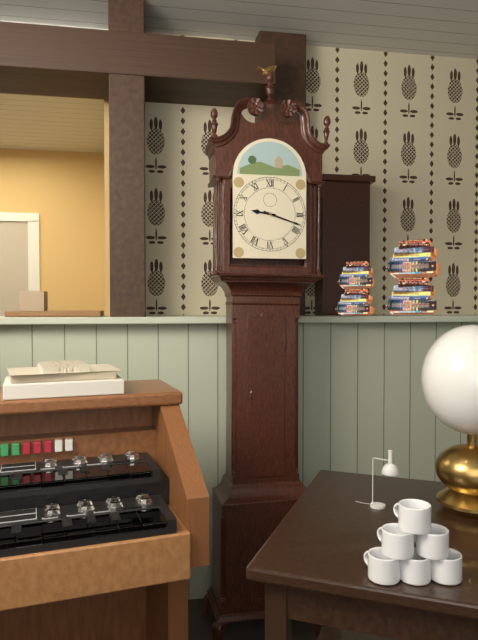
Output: 9h18
